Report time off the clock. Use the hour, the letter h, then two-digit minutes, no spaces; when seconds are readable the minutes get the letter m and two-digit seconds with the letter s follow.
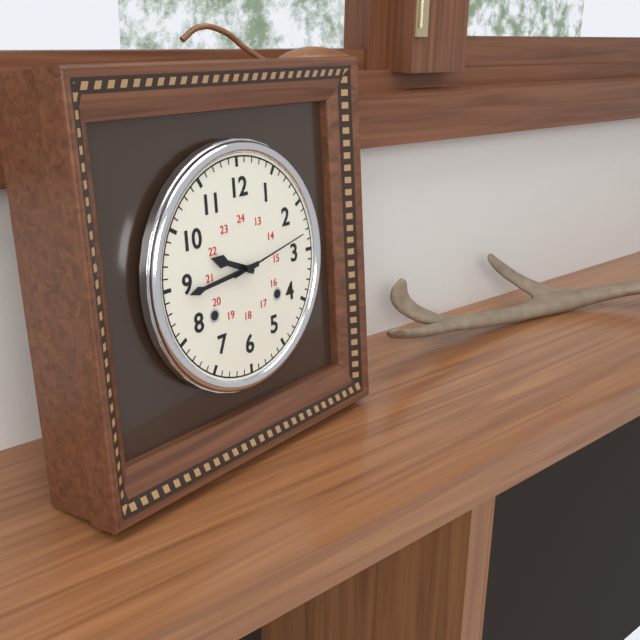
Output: 9h44m13s
